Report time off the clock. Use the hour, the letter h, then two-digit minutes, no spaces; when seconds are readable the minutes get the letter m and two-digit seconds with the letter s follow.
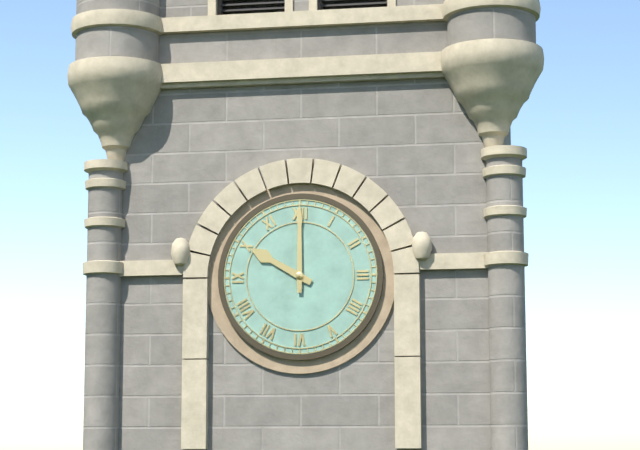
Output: 10h00
